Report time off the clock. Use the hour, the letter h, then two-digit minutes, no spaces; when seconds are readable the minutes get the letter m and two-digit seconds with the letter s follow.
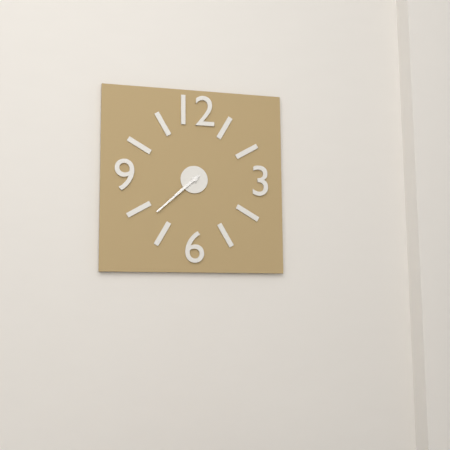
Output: 7h38
